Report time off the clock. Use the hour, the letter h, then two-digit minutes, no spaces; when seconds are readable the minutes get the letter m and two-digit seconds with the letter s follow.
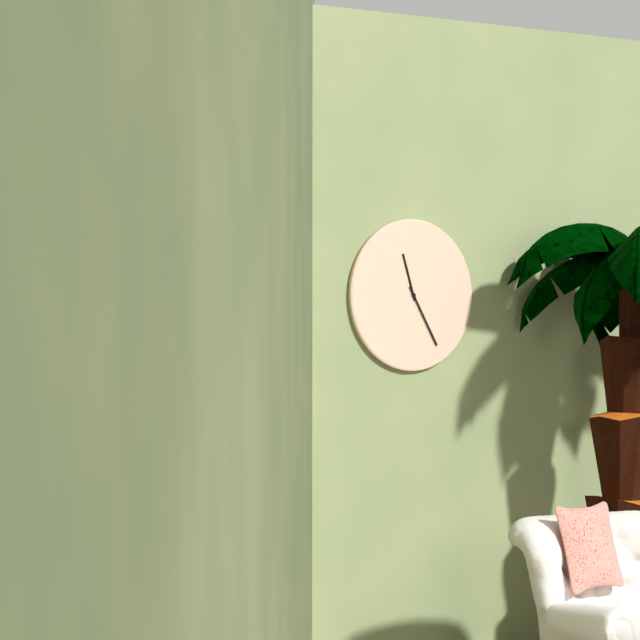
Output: 11h25
